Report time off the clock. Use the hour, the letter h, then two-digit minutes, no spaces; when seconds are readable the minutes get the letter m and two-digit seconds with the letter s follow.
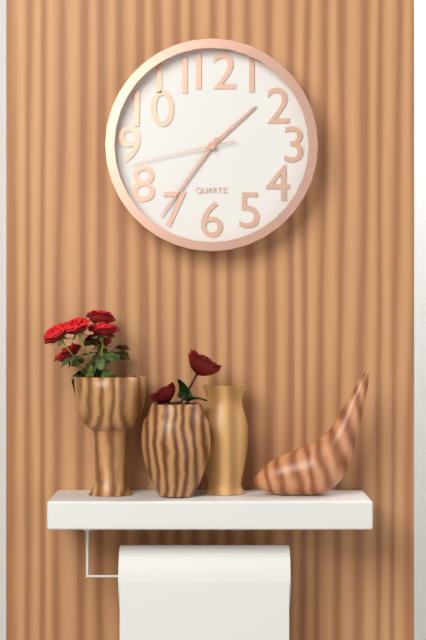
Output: 1h36m43s
